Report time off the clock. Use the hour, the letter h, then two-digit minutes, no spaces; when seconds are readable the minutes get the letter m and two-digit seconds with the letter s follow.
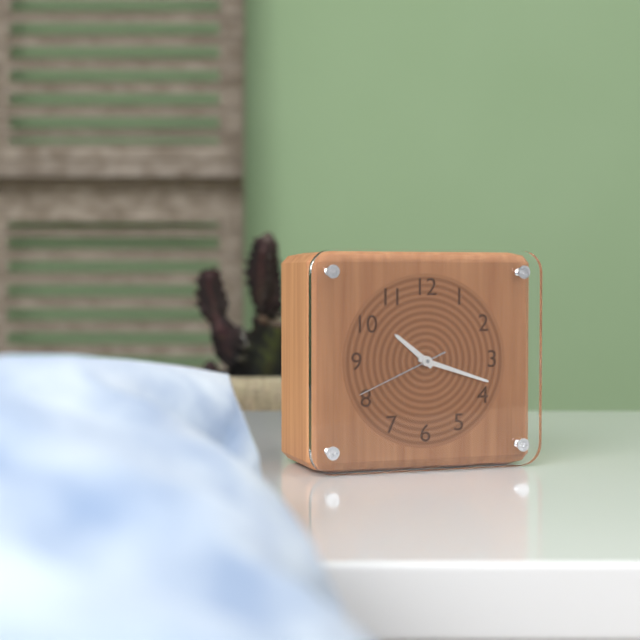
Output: 10h18m41s
